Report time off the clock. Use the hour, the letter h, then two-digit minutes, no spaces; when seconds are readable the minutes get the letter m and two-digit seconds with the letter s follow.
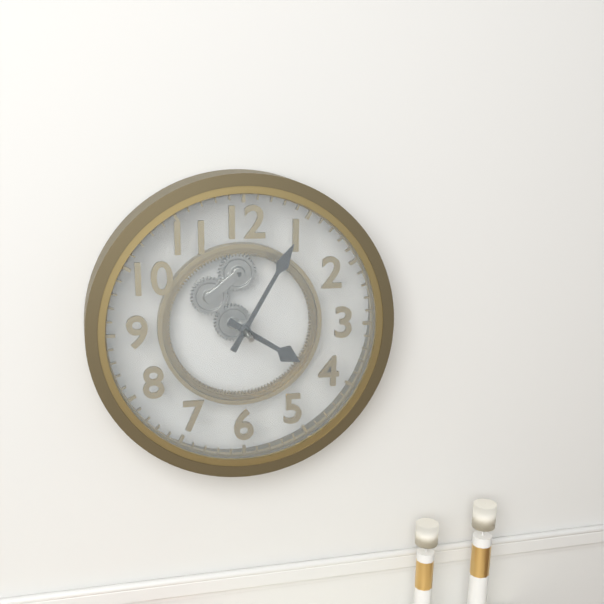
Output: 4h05
